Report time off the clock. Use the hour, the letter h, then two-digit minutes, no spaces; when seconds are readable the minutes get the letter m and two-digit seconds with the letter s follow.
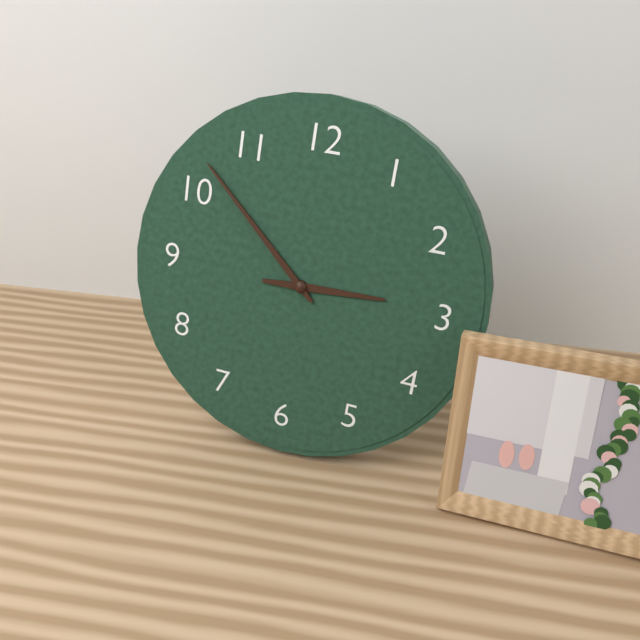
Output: 2h52
